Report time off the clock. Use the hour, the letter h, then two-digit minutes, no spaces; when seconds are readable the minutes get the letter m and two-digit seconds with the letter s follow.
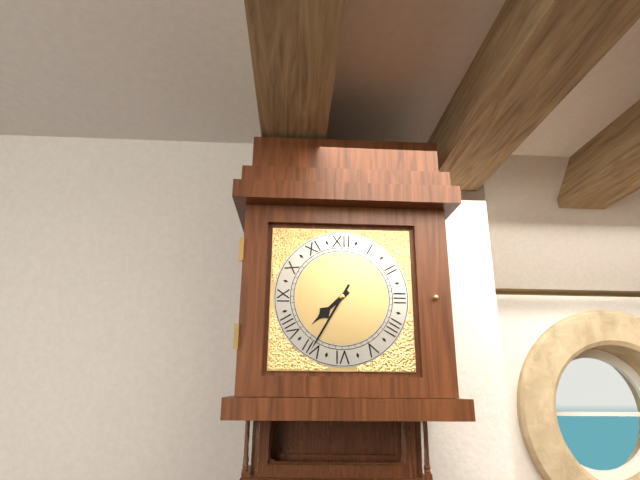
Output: 7h35
